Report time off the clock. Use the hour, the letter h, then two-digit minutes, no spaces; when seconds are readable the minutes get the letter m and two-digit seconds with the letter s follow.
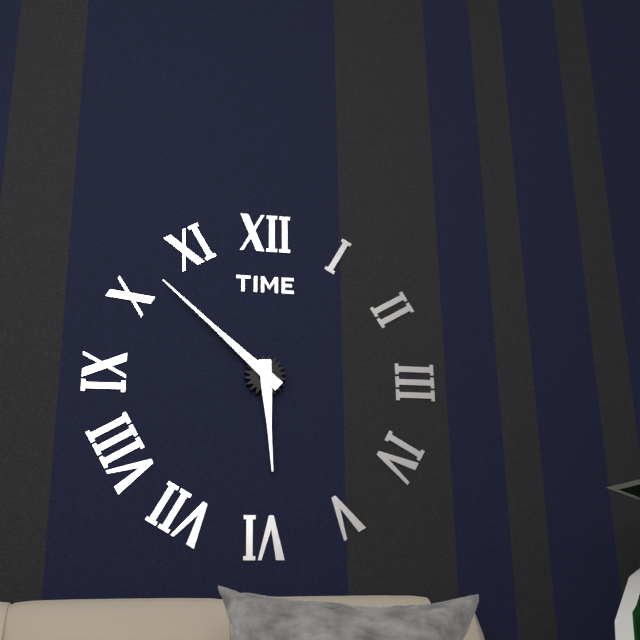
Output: 5h52
